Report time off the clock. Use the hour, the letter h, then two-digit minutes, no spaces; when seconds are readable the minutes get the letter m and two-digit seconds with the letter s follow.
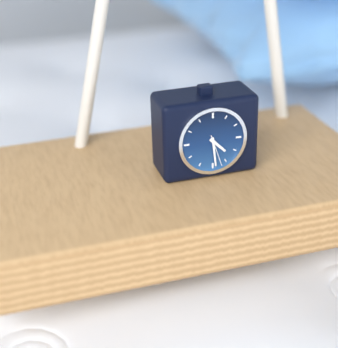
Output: 4h29
